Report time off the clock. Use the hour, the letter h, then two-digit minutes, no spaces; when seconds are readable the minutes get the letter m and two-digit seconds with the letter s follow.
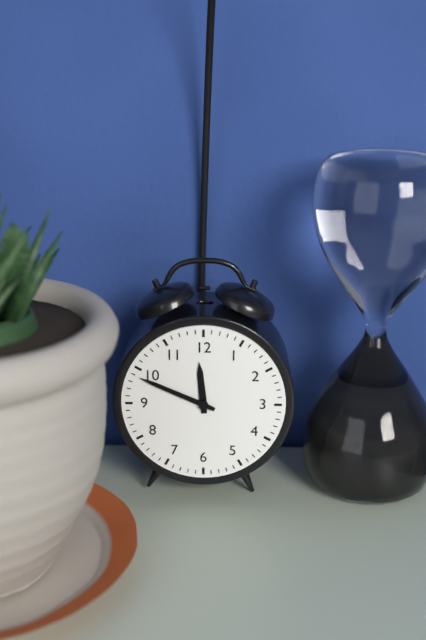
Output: 11h49
